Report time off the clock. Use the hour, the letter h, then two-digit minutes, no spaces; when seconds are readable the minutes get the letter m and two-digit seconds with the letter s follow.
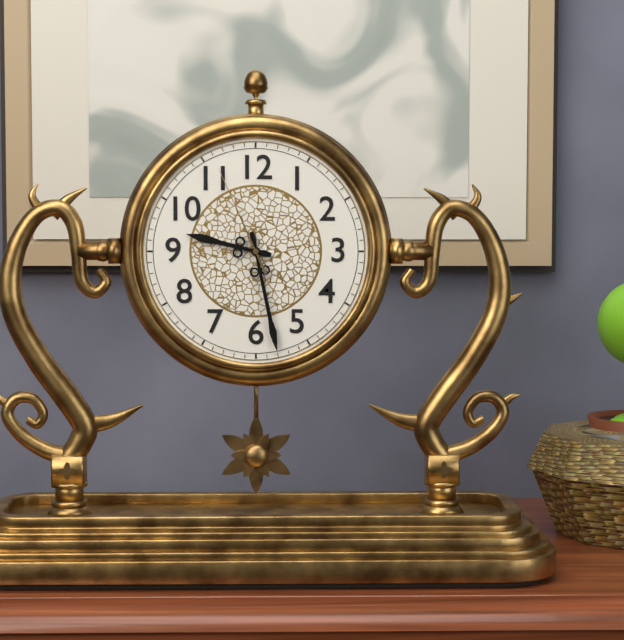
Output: 9h28m56s
